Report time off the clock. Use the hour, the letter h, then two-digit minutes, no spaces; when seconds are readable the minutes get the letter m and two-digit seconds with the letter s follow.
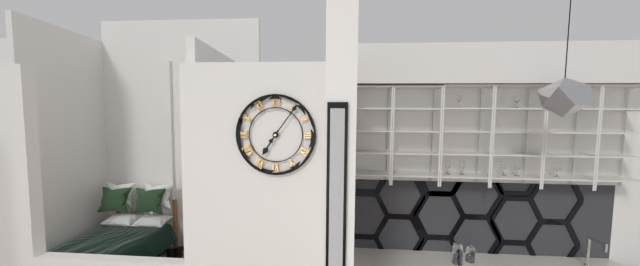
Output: 7h06
